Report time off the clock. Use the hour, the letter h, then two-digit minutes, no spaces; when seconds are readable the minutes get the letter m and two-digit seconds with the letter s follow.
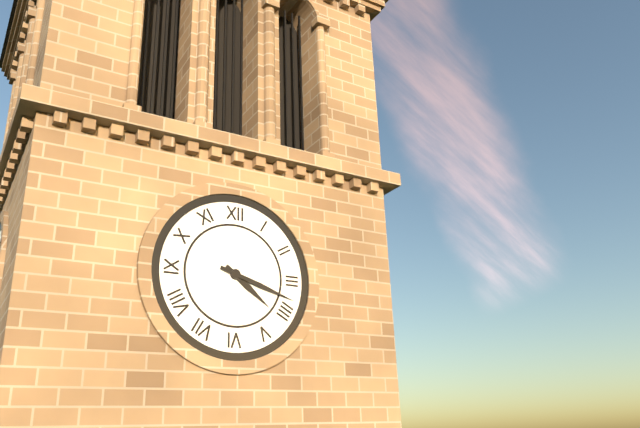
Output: 4h18
